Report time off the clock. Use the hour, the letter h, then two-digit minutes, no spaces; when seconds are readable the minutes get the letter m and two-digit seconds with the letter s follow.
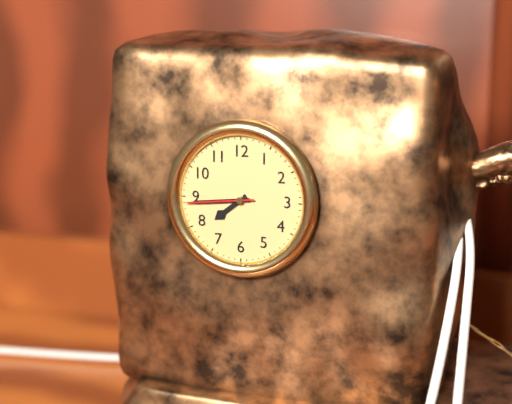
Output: 7h44m44s
